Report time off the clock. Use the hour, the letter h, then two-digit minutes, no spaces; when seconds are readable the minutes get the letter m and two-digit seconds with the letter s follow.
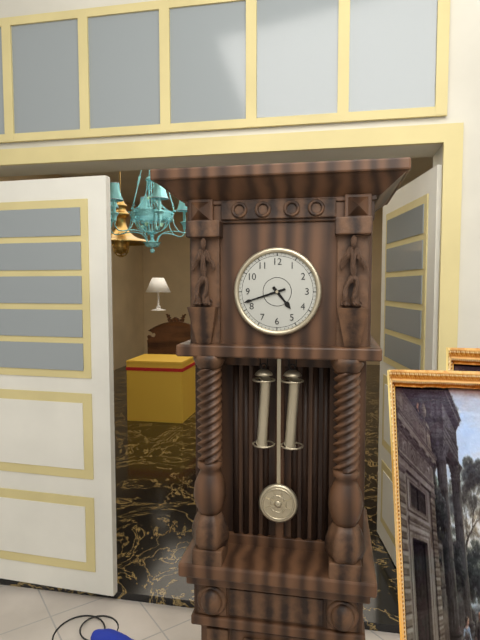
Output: 4h42
